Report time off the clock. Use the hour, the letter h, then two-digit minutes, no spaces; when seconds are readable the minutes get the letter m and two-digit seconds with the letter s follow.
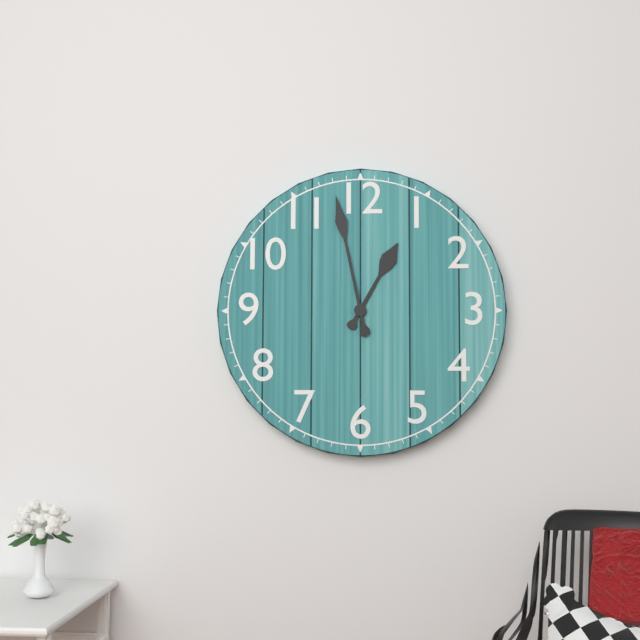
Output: 12h58
